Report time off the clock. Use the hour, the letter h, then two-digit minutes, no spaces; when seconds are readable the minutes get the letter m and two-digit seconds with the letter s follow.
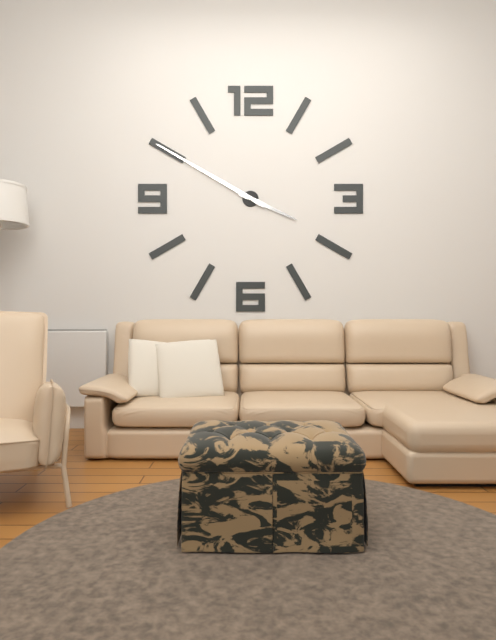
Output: 3h50
